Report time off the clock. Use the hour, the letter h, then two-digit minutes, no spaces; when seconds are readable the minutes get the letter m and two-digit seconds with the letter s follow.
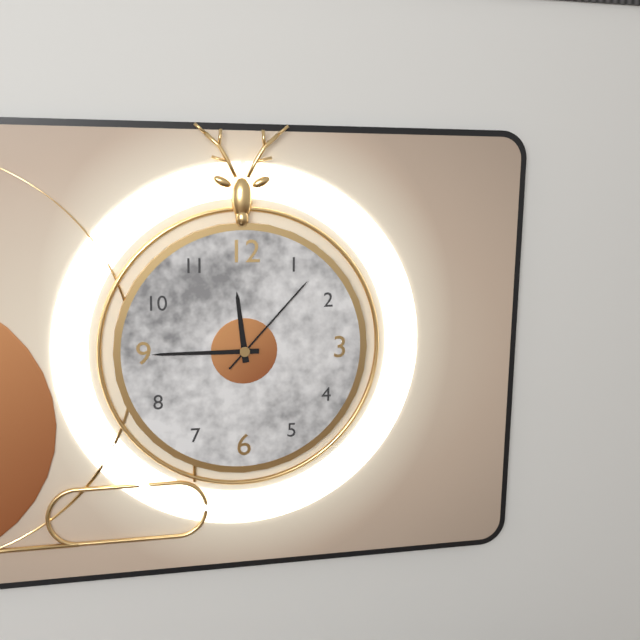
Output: 11h45m07s
